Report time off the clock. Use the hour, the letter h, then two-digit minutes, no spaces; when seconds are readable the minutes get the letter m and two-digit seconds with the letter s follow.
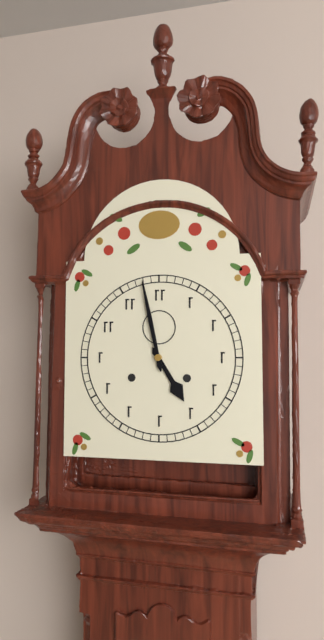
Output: 4h58
